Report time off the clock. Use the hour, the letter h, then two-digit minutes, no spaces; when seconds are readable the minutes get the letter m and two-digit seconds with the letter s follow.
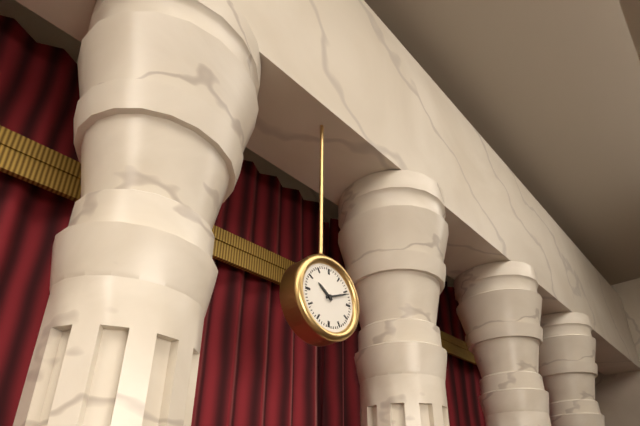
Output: 10h11
